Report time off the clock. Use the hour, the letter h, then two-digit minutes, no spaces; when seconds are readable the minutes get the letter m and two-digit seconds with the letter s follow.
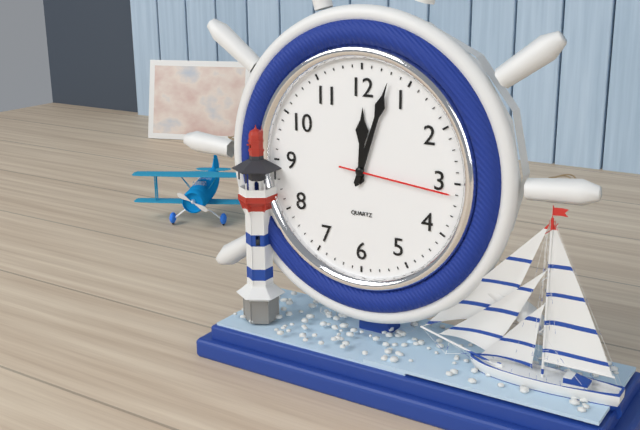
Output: 12h03m16s
